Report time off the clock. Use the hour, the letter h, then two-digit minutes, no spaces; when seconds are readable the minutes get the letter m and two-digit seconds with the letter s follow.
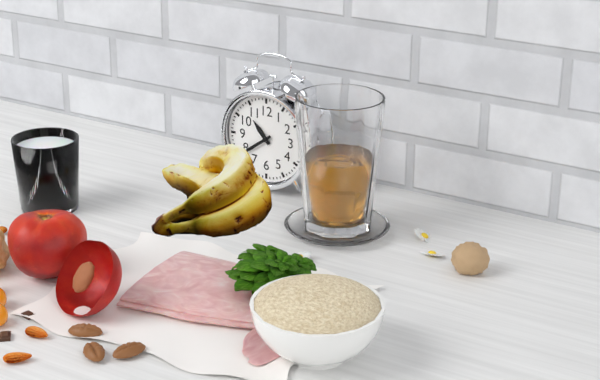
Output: 10h39
